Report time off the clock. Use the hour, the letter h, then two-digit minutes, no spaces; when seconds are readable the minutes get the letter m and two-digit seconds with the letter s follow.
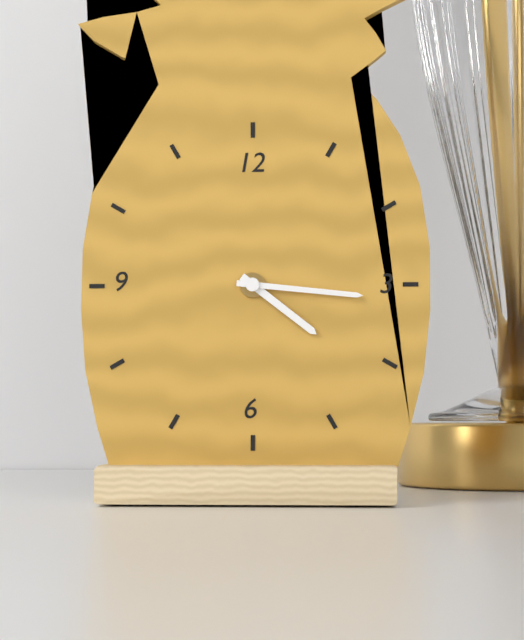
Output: 4h16
